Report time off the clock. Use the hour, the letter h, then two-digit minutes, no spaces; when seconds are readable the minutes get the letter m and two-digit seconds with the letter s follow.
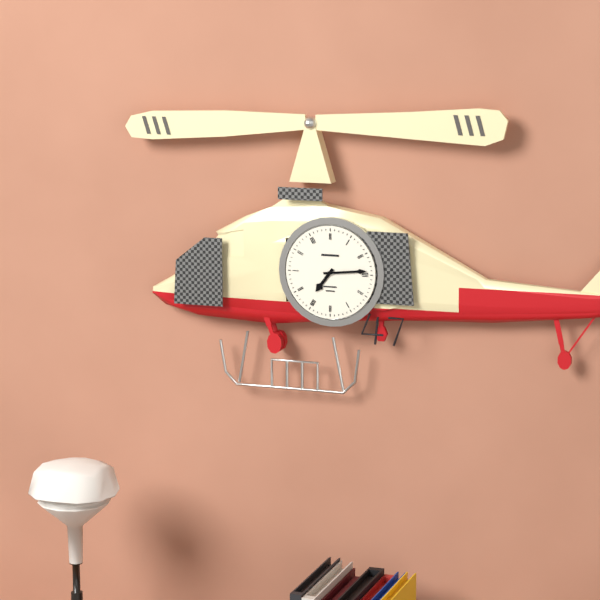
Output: 7h14
